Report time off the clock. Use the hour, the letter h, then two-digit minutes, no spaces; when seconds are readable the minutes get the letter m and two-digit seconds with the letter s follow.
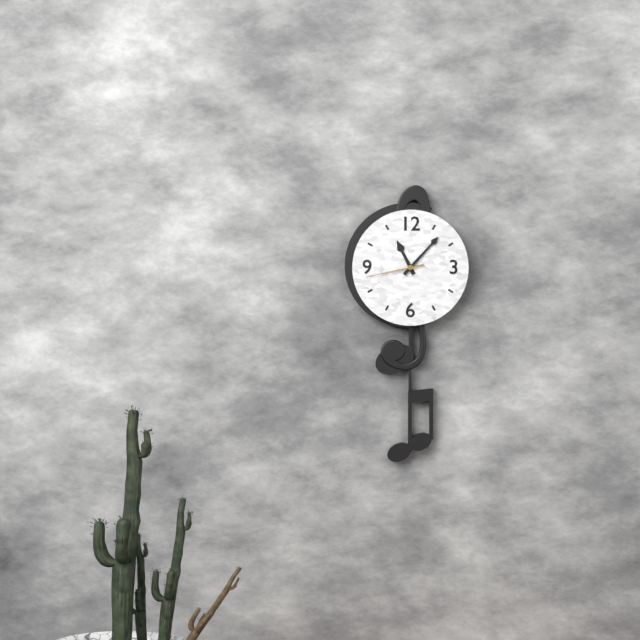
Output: 11h07m43s
